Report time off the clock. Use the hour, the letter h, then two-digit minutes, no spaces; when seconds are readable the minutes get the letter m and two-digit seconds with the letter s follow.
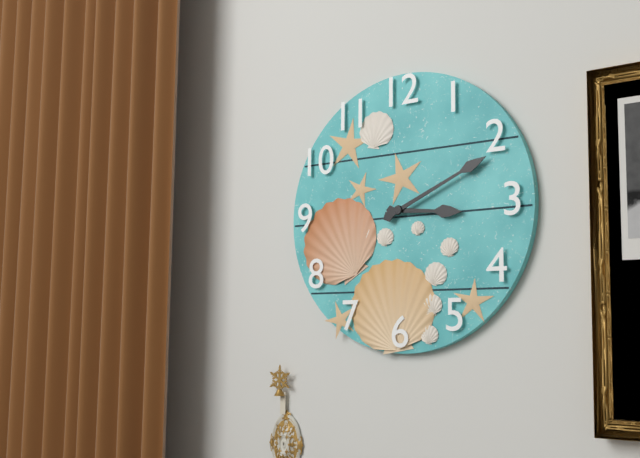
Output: 3h11
